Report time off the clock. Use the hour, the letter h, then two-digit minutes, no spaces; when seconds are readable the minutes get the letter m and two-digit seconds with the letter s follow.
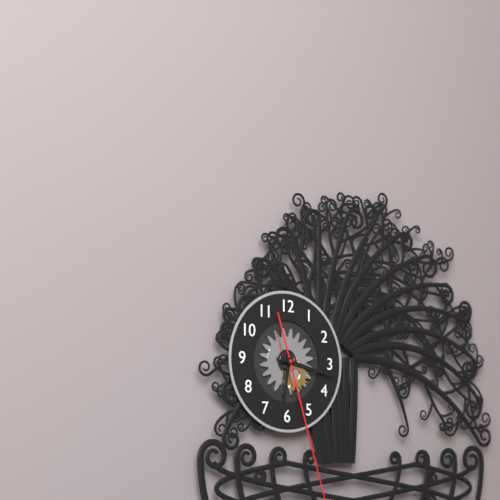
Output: 6h17
